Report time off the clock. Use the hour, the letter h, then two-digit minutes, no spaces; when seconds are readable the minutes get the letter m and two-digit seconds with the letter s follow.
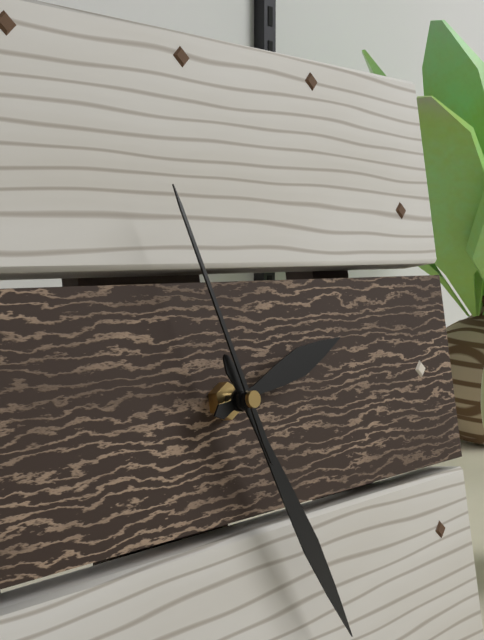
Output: 2h26m57s
